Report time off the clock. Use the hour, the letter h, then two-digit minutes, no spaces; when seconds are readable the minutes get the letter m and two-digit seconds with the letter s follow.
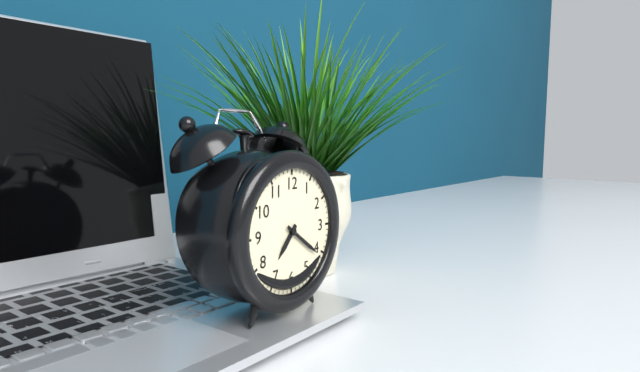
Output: 7h21
